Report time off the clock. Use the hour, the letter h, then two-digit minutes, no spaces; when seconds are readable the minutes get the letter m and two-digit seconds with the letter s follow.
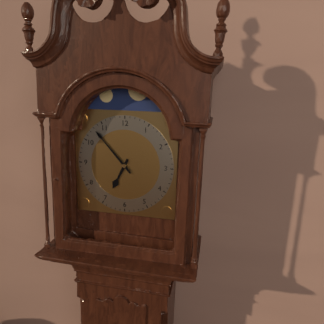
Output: 6h53
